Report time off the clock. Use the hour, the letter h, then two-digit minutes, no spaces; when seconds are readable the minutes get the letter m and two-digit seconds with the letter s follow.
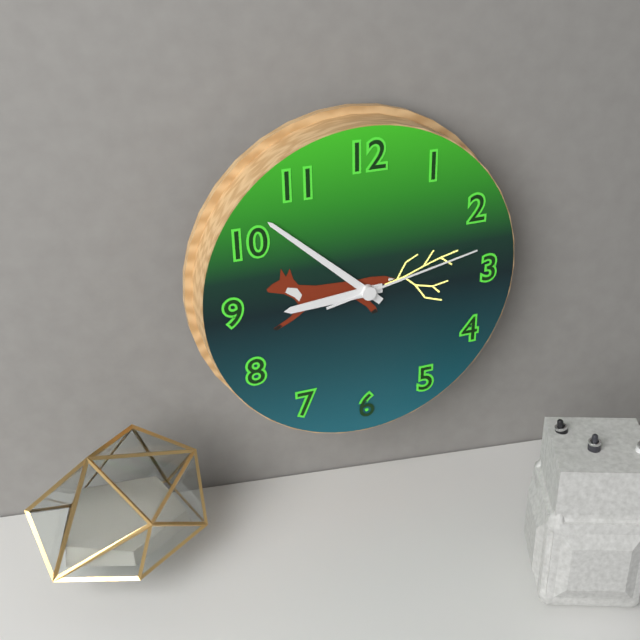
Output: 8h52m13s
